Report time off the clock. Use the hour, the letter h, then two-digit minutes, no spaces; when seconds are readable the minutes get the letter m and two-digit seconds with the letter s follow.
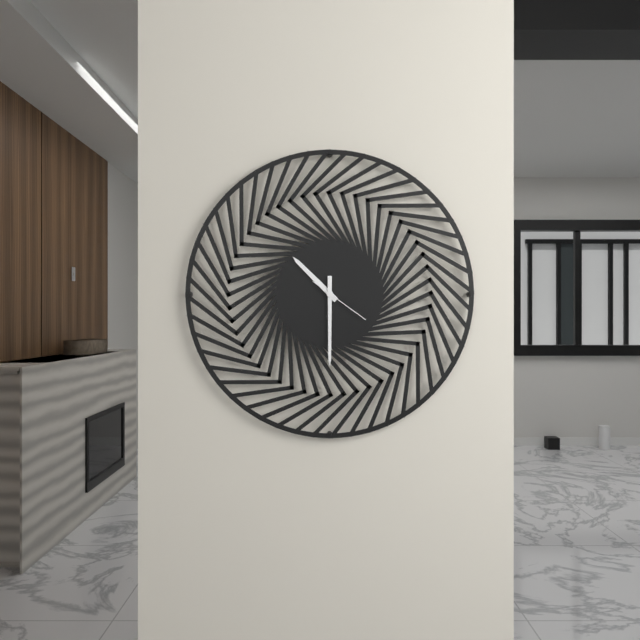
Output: 10h30m21s
